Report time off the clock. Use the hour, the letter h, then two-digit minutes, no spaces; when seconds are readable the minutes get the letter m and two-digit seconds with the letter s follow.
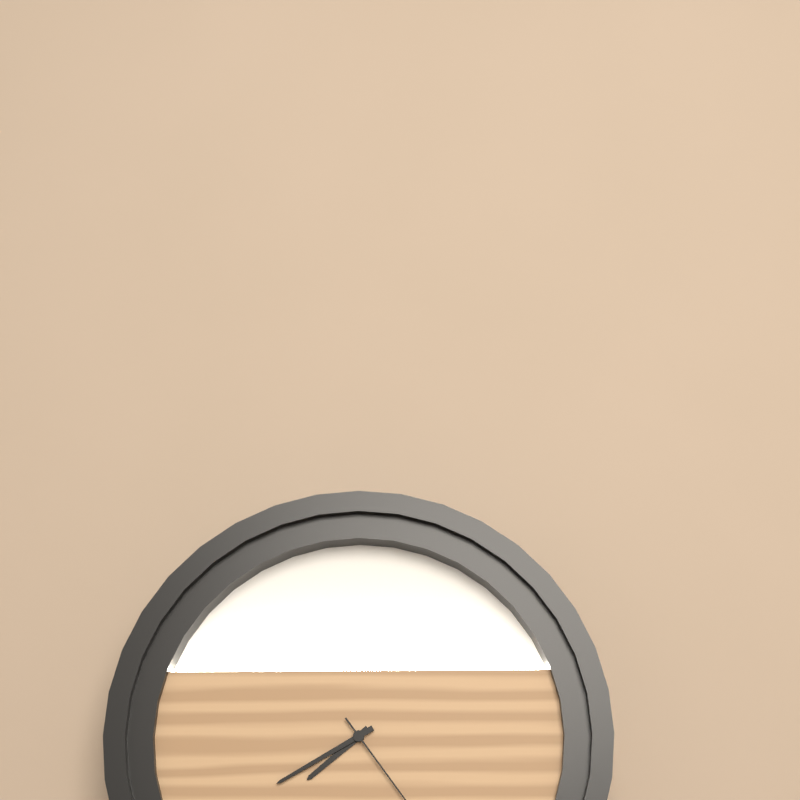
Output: 7h40
